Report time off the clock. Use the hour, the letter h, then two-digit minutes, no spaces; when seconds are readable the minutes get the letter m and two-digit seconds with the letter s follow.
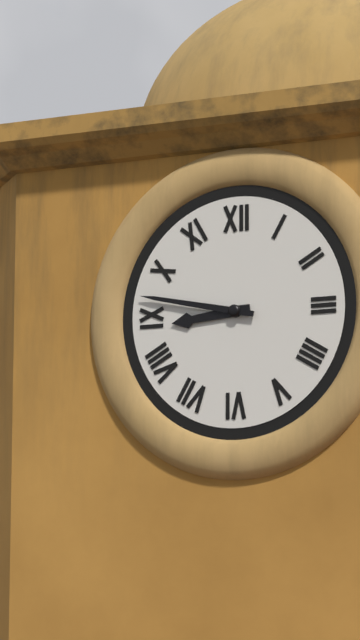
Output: 8h47
